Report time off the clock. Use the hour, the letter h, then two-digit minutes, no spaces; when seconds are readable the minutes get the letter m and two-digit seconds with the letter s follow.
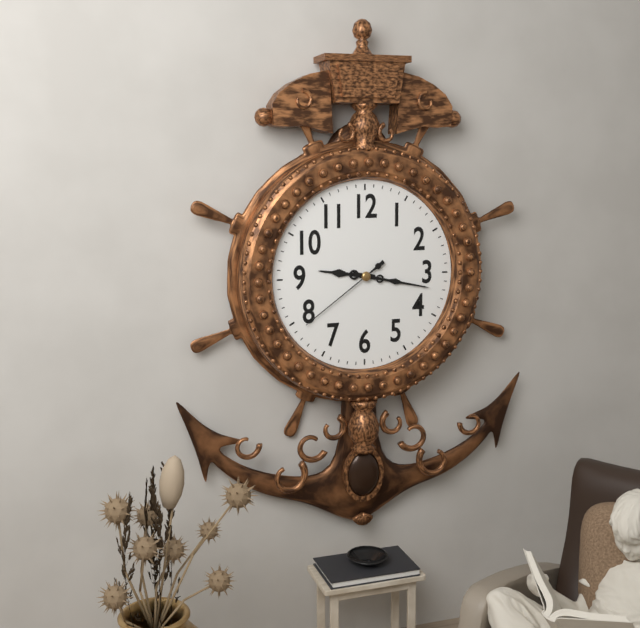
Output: 9h17m39s
